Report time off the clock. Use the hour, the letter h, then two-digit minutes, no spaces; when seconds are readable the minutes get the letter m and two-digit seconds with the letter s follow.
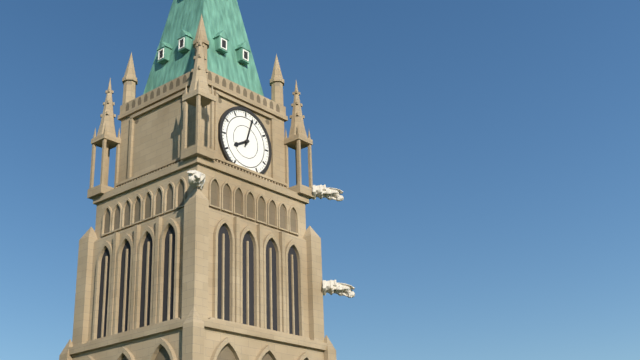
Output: 8h03
